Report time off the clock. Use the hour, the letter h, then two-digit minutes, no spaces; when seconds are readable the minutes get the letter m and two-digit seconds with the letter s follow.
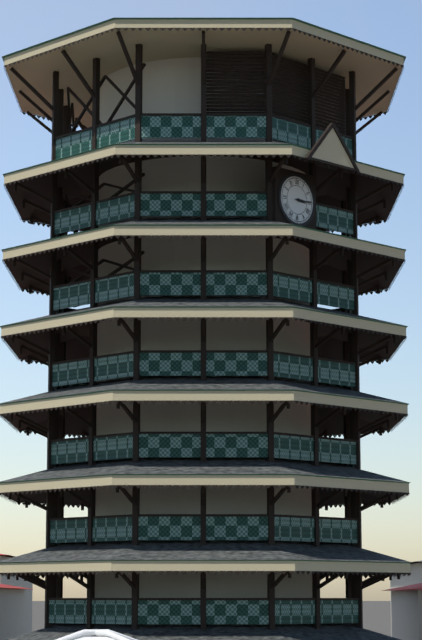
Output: 3h15
